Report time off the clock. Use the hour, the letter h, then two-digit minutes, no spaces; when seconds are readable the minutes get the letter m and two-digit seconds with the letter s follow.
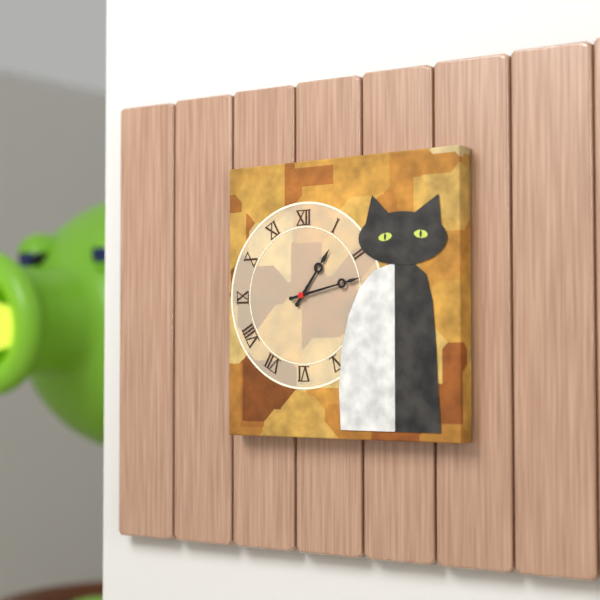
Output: 1h13
